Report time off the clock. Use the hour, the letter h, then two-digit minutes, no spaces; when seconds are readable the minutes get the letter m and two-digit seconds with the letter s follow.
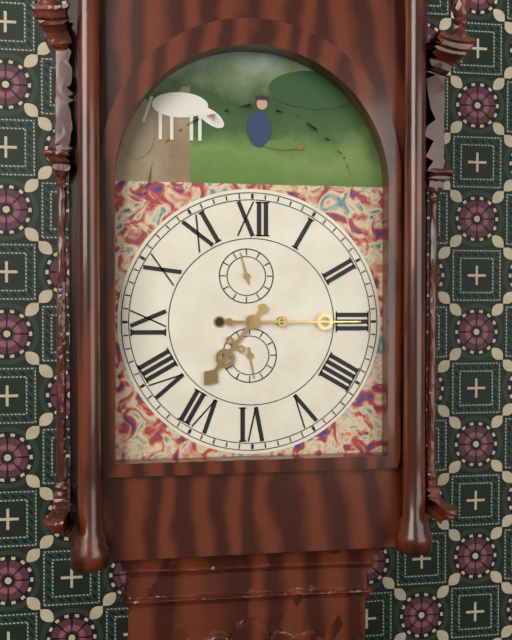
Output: 7h15
